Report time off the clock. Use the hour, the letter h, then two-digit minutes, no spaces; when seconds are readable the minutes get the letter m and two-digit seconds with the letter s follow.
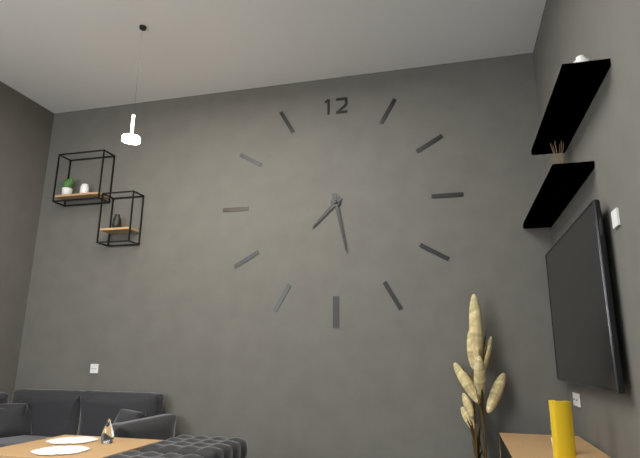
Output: 7h28
